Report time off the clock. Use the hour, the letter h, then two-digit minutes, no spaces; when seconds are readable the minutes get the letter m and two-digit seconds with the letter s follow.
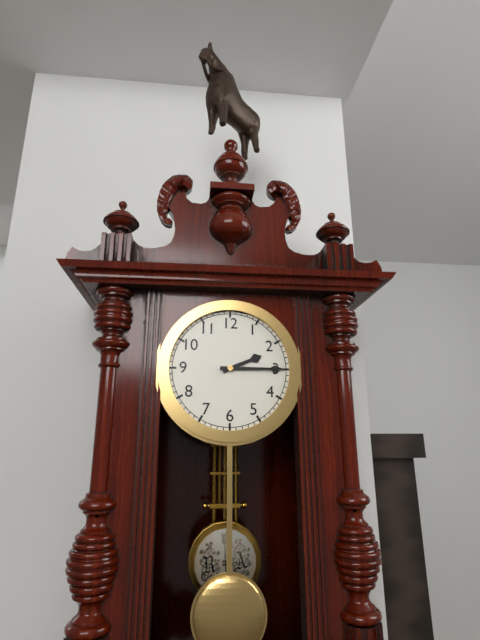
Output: 2h15
